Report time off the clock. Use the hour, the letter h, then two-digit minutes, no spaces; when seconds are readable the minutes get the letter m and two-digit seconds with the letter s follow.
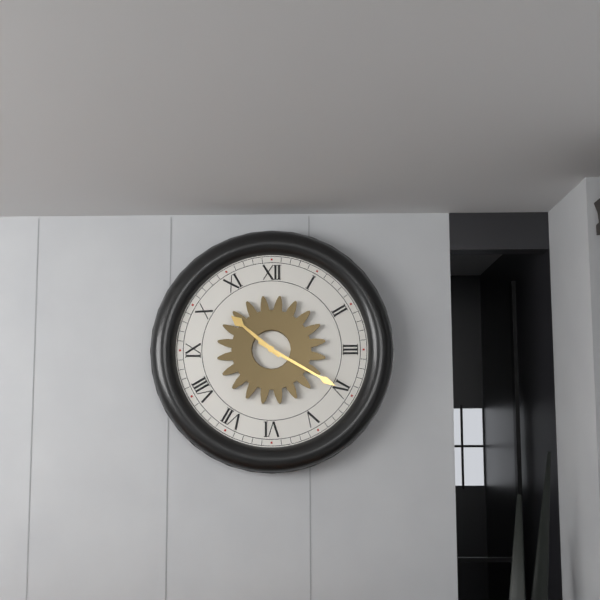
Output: 10h20
